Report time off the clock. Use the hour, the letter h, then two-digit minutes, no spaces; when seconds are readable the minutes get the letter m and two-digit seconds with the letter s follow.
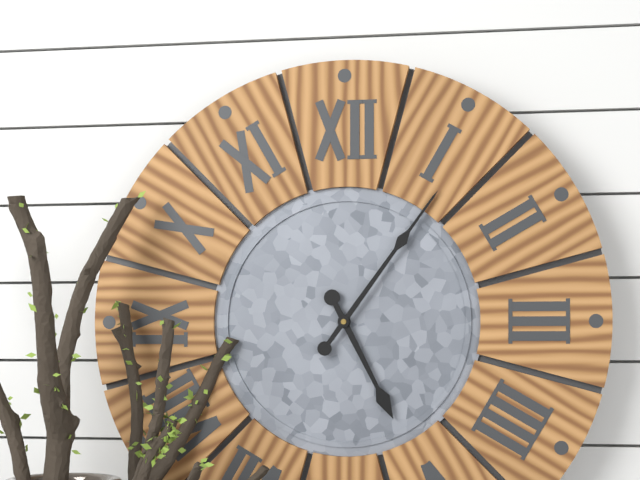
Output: 5h06
